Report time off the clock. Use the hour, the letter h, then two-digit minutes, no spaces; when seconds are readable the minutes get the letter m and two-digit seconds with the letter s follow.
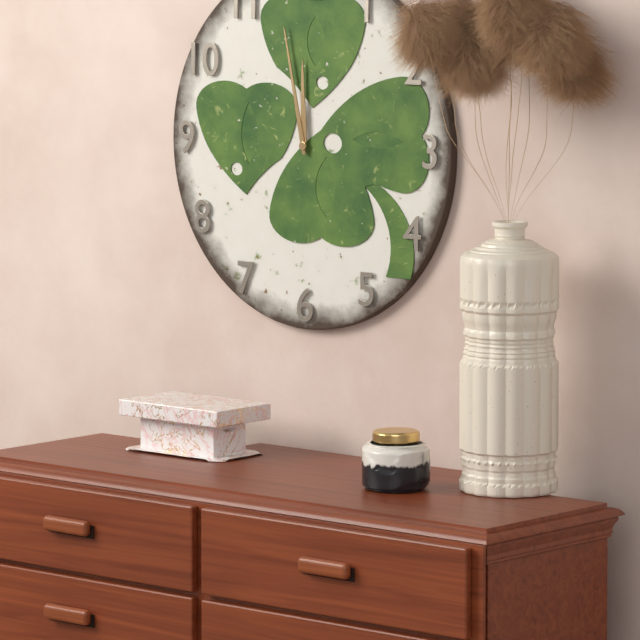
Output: 11h58
